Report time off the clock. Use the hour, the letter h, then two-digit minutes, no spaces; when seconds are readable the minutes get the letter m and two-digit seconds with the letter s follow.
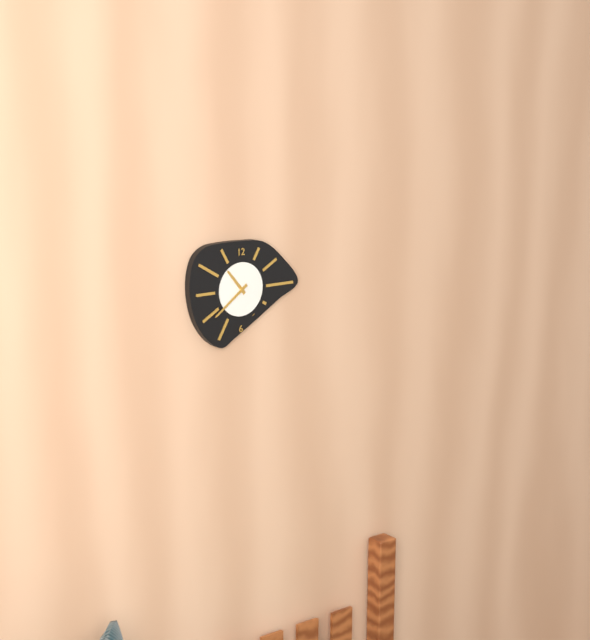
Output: 10h39
